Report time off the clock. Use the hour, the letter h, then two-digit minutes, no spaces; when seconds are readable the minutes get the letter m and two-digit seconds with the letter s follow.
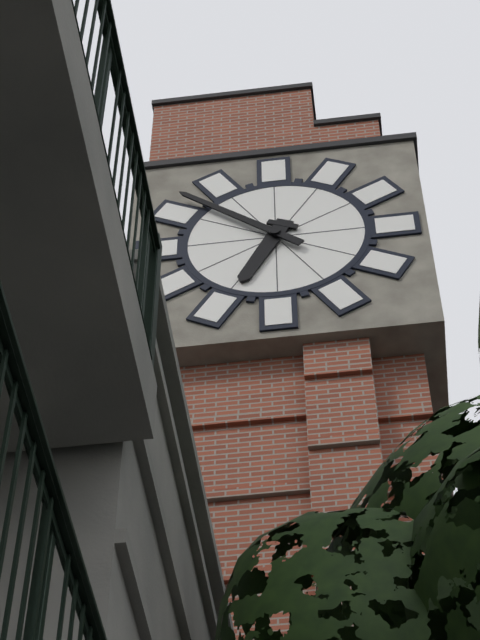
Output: 6h52
